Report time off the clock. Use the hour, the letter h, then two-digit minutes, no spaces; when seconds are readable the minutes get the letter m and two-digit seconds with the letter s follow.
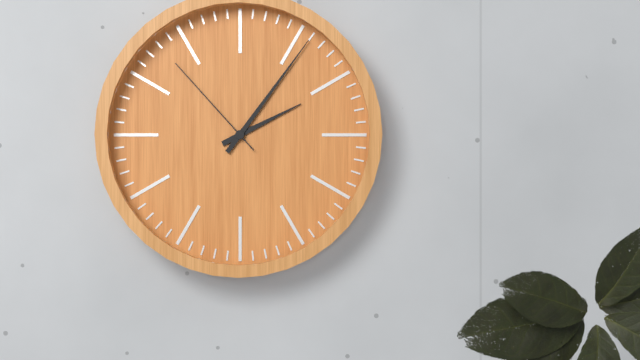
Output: 2h06m53s
